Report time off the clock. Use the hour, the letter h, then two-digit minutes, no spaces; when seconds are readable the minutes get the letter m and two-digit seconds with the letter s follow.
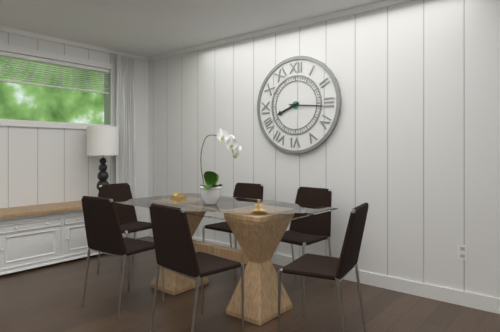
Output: 8h16
